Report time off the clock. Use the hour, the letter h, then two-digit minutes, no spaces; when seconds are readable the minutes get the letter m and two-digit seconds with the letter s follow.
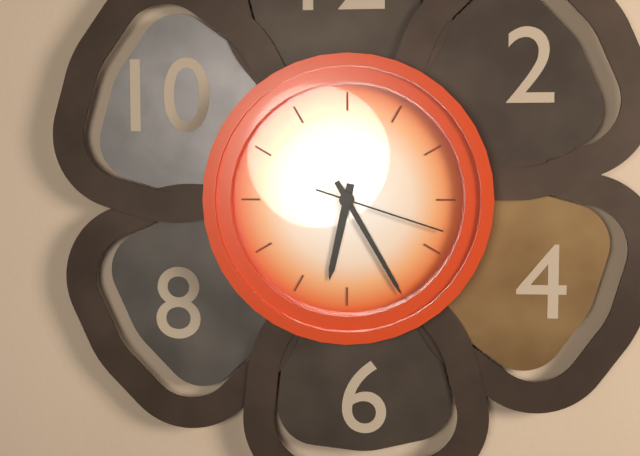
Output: 6h25m18s
